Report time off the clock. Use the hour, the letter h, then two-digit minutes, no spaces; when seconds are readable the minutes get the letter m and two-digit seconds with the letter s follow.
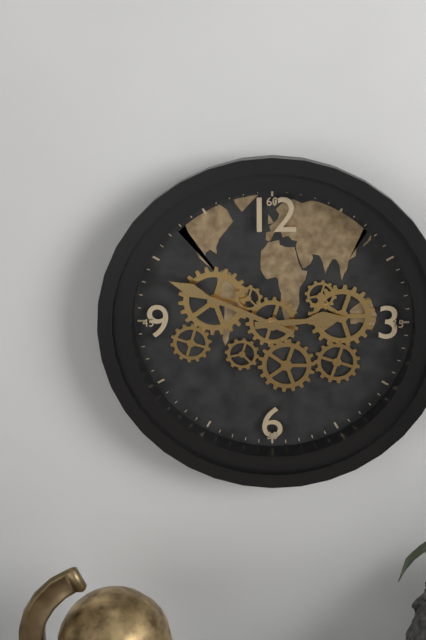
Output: 2h49
